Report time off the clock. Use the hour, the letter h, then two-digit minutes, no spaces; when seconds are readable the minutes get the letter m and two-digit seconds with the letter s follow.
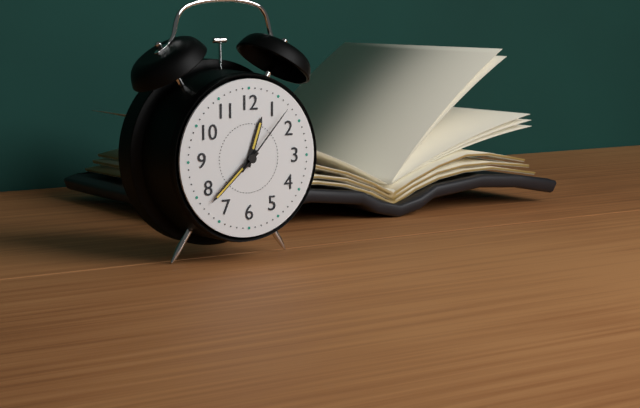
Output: 12h38m07s
